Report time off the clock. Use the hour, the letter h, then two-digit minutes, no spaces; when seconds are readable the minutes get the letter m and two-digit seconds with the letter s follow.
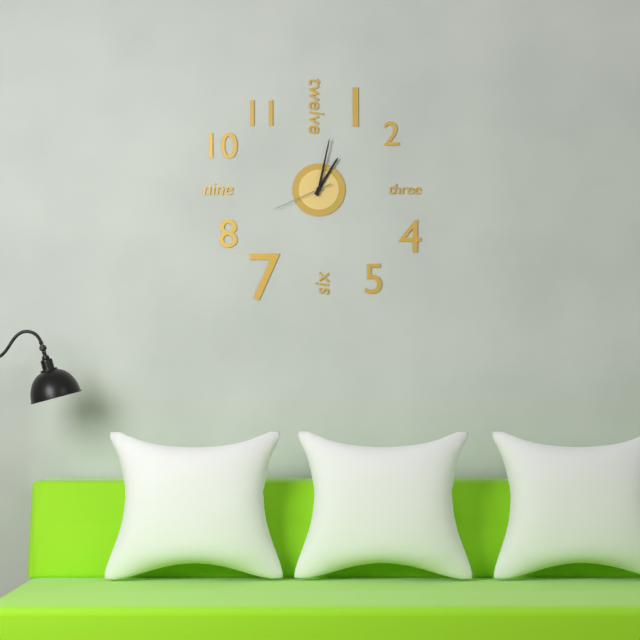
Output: 1h02m41s
